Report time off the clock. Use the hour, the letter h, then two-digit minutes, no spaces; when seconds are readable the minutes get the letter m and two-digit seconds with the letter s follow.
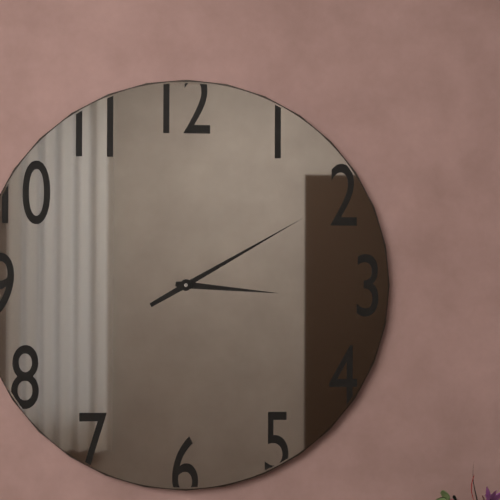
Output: 3h10
